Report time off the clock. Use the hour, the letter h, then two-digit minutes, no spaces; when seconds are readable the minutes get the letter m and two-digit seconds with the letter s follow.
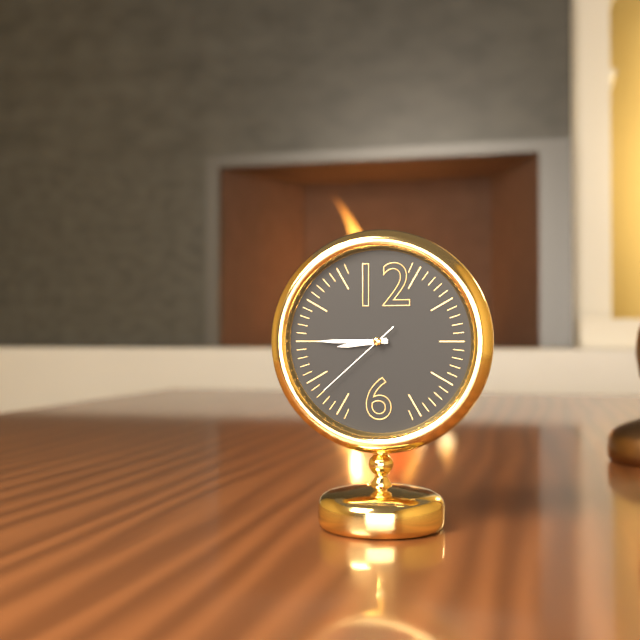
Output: 8h45m38s
